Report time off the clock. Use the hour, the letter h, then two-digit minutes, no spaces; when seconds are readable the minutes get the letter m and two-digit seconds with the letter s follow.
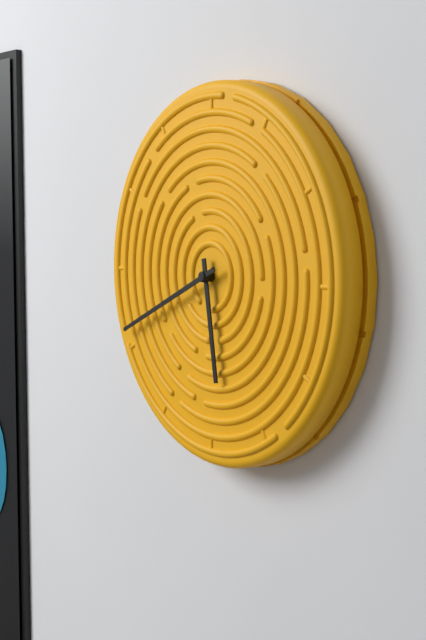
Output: 5h41
